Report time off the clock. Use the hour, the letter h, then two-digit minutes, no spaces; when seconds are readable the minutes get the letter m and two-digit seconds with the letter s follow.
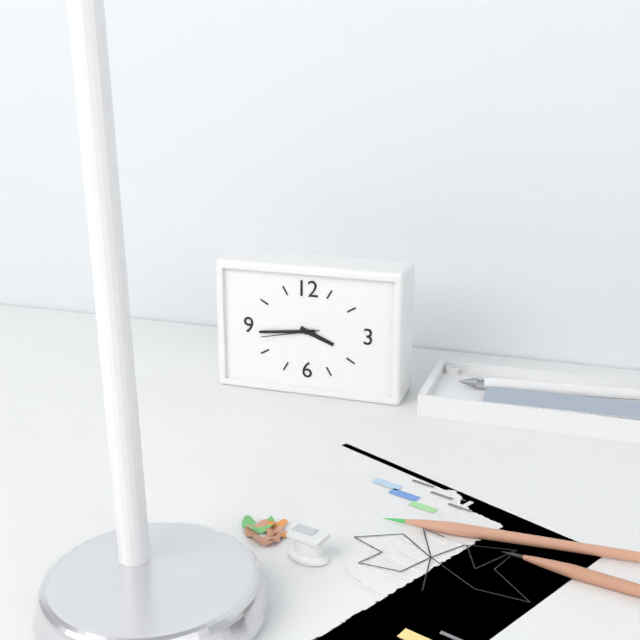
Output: 3h44m43s
